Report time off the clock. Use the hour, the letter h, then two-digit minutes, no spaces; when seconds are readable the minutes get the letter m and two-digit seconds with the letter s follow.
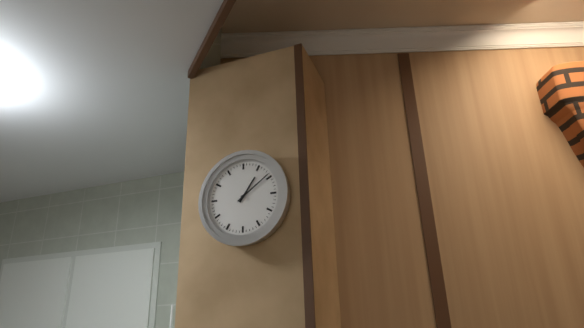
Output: 1h09
